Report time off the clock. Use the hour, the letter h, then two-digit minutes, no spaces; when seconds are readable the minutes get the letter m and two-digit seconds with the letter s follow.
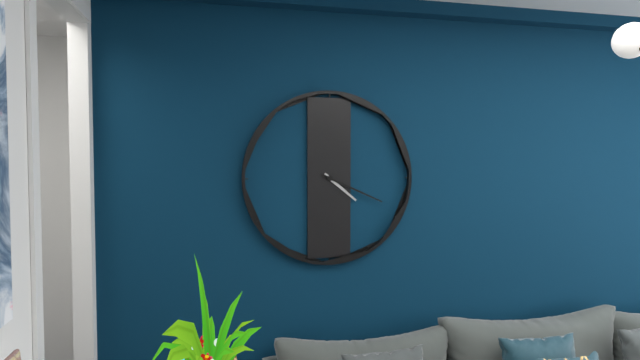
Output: 4h19
